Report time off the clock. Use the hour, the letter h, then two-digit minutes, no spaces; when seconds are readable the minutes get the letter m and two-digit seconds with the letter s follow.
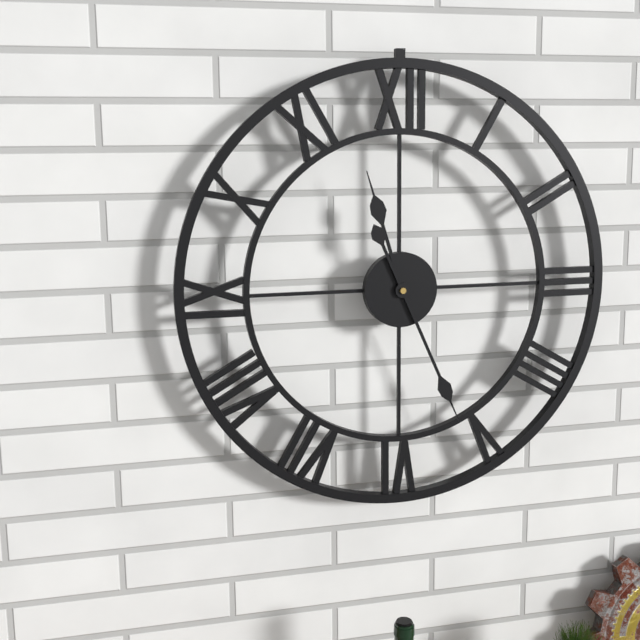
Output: 11h26
